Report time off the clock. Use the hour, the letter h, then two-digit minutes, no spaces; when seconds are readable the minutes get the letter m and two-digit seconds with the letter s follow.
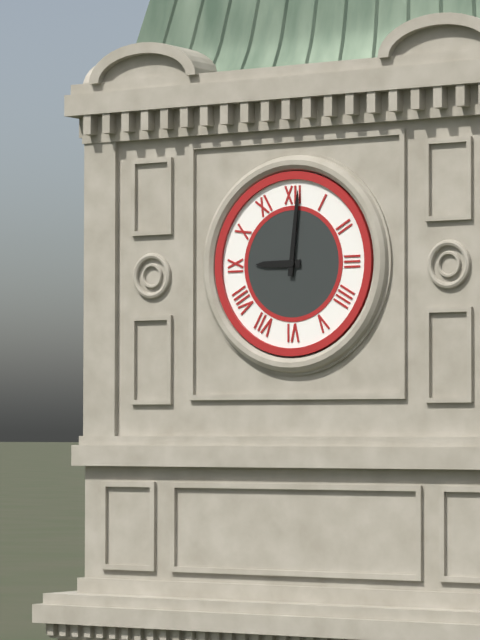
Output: 9h01
